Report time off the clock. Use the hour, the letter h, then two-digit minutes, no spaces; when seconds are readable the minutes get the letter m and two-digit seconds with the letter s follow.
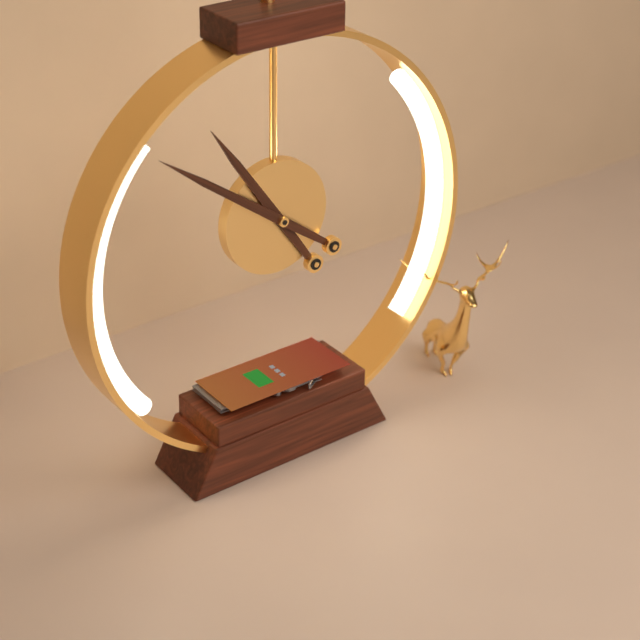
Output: 10h51
